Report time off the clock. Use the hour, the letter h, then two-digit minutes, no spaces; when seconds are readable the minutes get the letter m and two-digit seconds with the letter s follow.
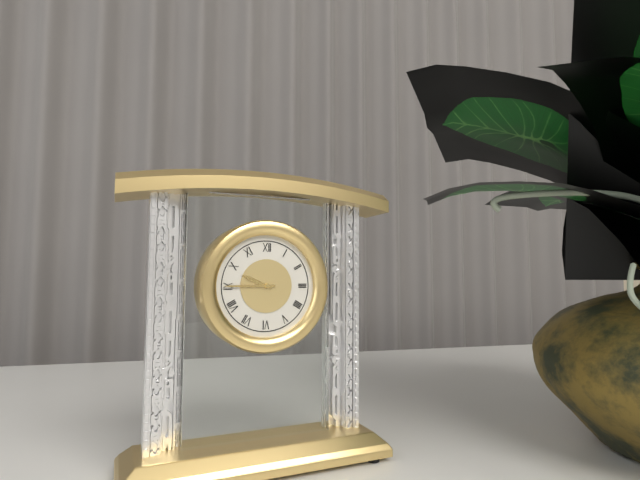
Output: 9h45
